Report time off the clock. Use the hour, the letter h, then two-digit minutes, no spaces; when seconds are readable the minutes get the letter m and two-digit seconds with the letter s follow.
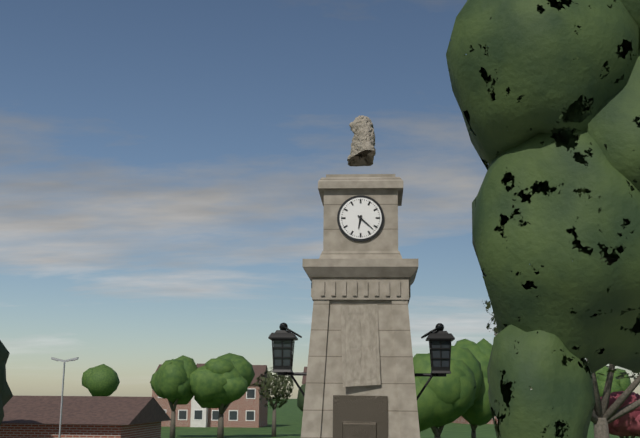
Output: 6h22
